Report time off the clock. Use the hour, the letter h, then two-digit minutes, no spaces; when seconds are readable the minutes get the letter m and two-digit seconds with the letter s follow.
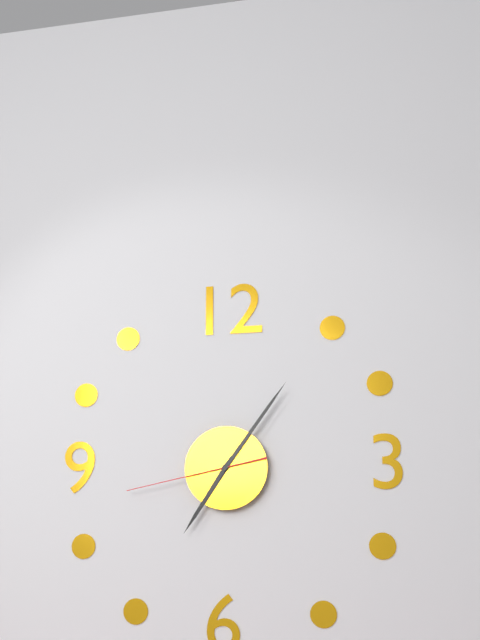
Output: 7h06m43s
